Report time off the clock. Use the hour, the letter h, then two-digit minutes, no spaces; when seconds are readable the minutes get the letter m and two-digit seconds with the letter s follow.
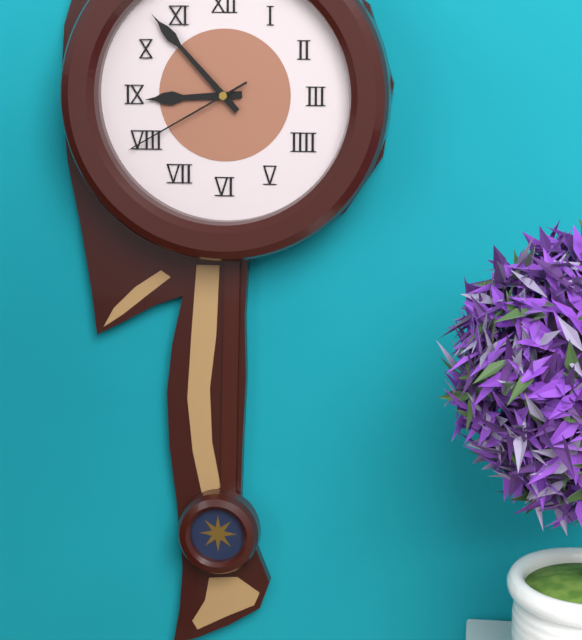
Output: 8h53m40s
